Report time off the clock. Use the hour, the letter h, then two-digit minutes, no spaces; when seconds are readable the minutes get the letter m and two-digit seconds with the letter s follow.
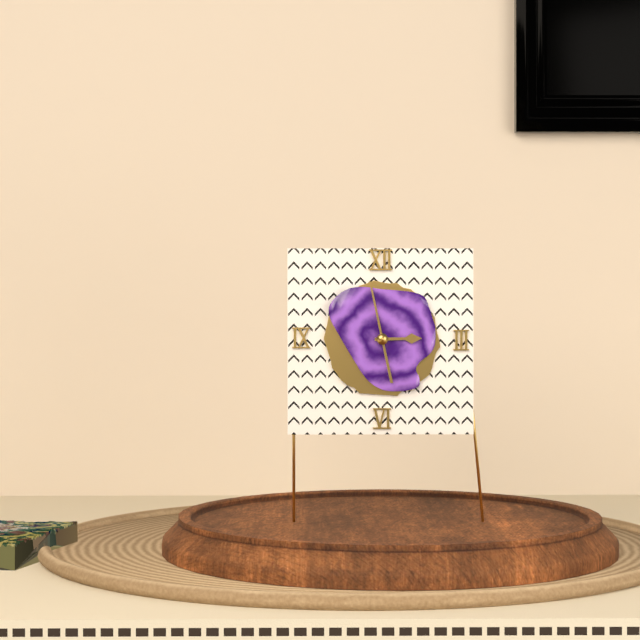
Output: 2h58
